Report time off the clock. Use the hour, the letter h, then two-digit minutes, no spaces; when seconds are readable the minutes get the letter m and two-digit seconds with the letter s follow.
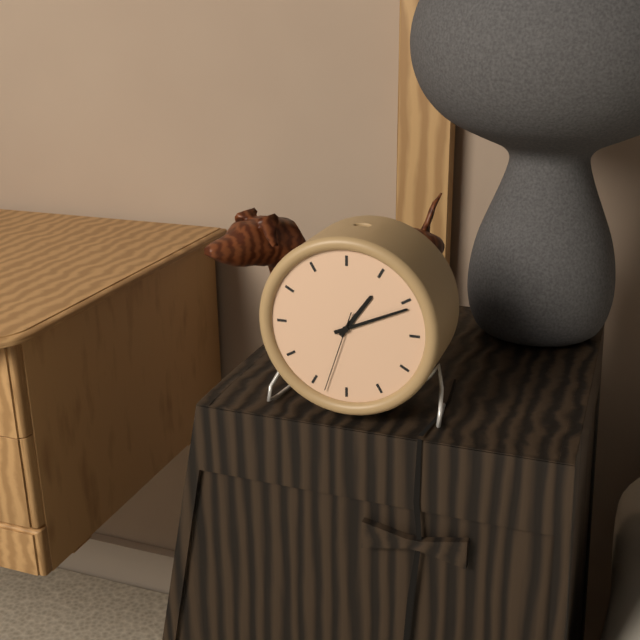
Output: 1h11m33s
